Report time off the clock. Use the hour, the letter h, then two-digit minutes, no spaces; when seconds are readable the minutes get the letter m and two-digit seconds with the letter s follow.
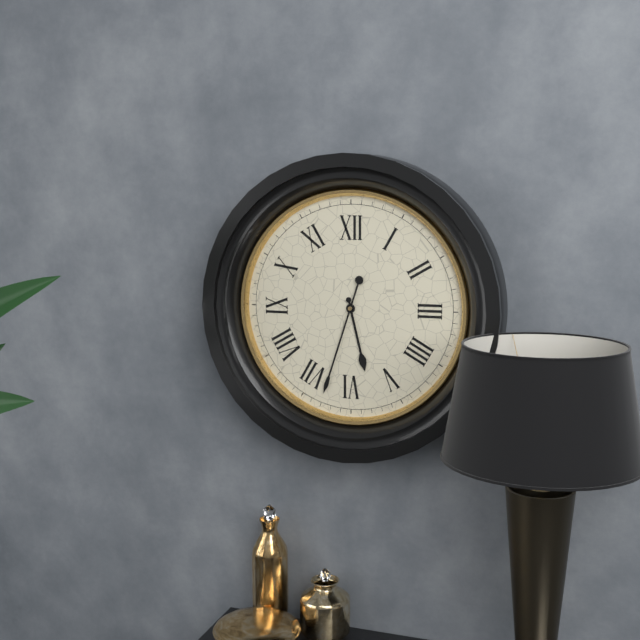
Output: 5h33
